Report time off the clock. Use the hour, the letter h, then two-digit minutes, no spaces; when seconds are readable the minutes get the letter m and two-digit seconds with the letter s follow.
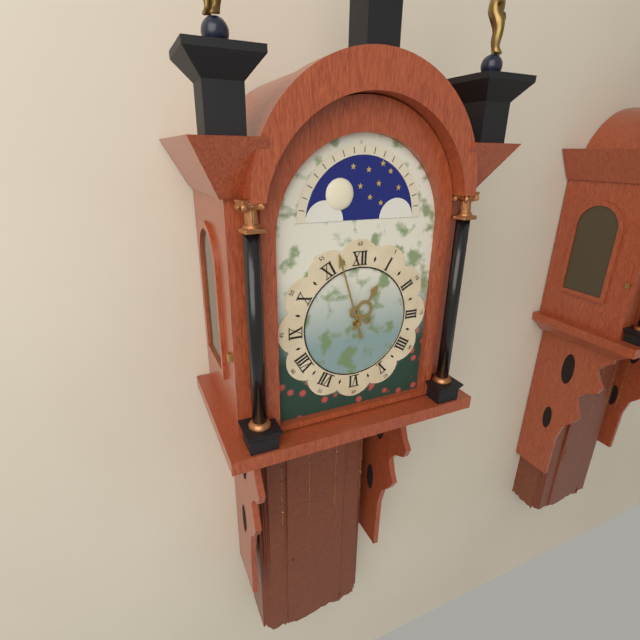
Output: 12h57
